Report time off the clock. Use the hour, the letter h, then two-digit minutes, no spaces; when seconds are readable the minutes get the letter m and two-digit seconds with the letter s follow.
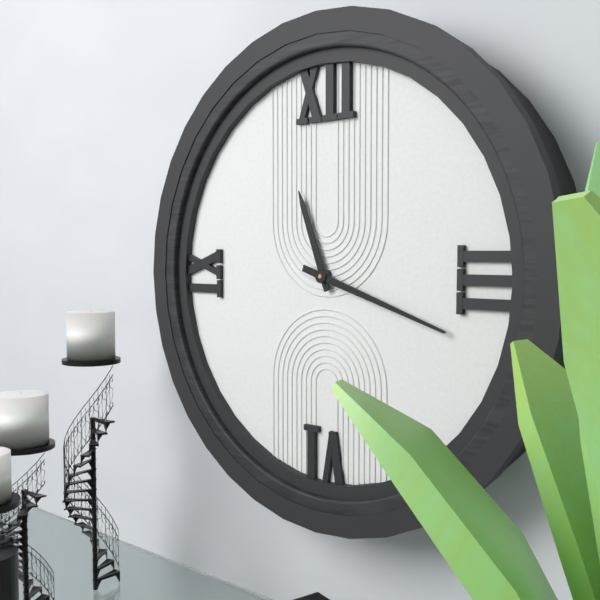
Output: 11h18
